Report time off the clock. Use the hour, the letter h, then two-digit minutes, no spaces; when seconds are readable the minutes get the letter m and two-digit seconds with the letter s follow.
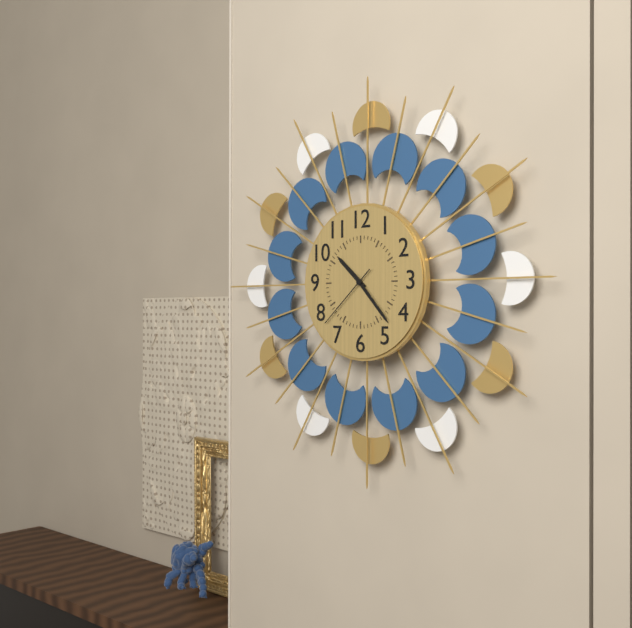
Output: 10h23m38s
